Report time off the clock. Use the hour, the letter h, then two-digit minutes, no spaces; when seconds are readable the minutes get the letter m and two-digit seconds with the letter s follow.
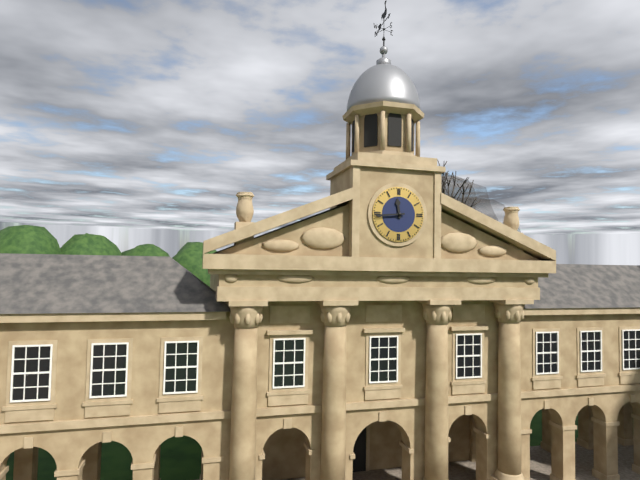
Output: 11h44
